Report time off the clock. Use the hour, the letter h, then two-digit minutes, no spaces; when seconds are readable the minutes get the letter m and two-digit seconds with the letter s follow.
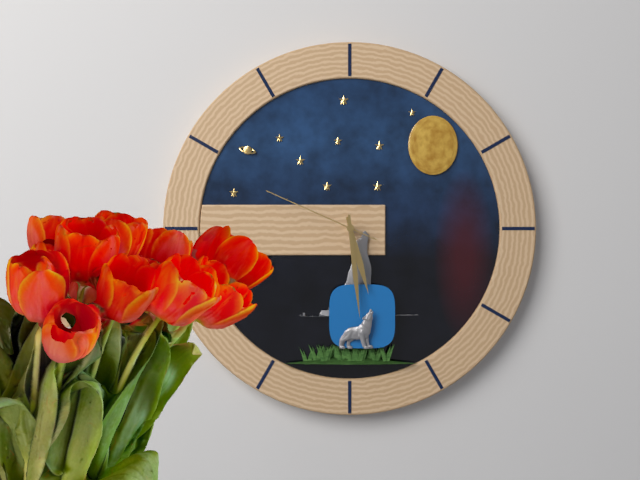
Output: 5h29m49s
